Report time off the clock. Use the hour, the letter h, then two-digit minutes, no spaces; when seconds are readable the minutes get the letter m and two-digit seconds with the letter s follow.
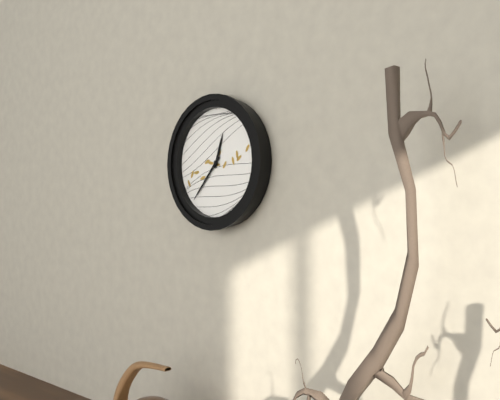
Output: 12h37
